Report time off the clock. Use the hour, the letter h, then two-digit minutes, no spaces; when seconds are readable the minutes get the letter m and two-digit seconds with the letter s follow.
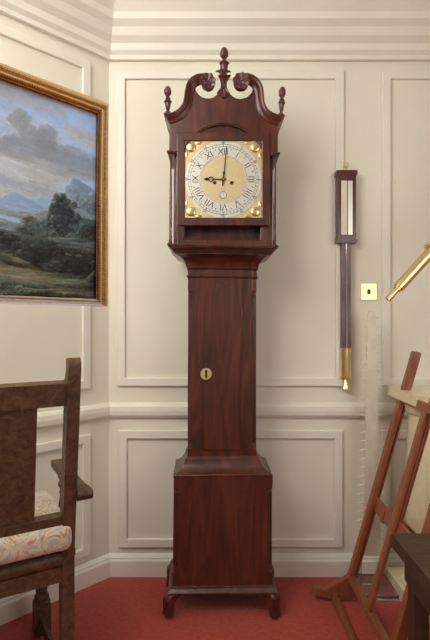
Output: 9h01
